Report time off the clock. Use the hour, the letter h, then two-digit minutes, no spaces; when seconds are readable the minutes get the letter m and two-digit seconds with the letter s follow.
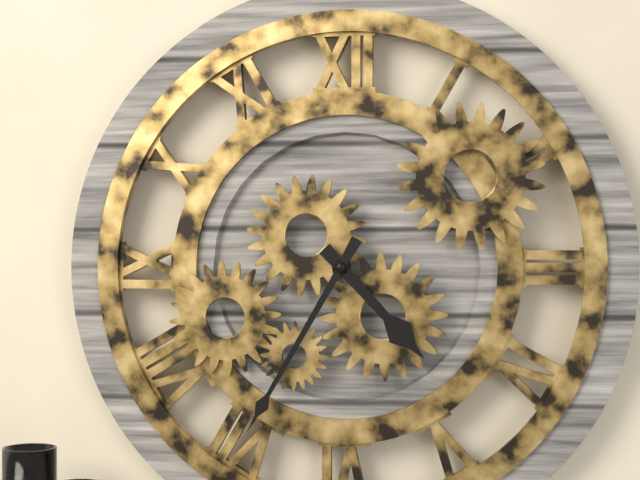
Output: 4h35
